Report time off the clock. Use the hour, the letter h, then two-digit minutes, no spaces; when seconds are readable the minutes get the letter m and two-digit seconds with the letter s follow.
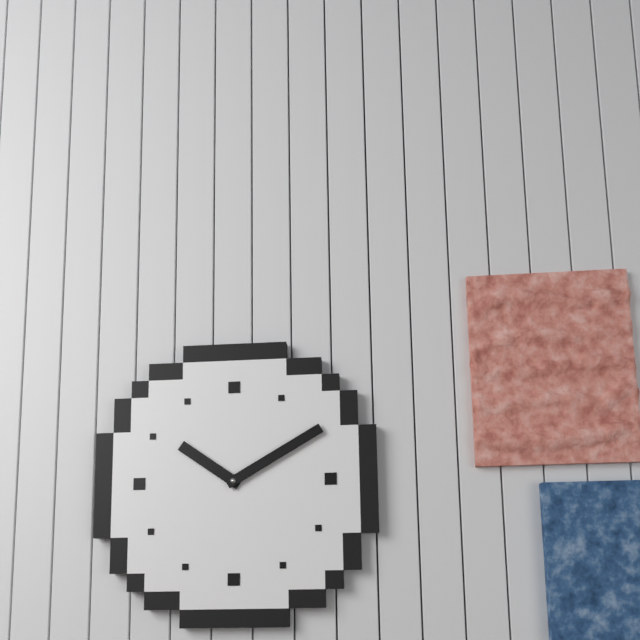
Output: 10h10
